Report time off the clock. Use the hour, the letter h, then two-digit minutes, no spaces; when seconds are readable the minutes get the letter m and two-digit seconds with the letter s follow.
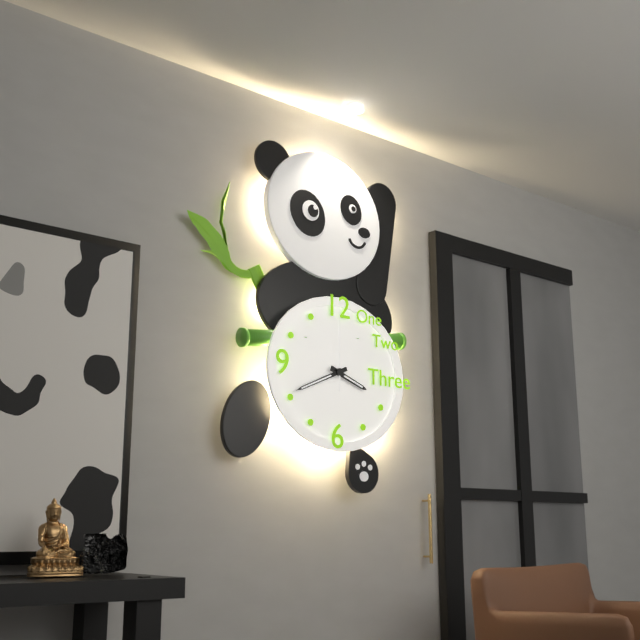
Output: 3h41m00s
